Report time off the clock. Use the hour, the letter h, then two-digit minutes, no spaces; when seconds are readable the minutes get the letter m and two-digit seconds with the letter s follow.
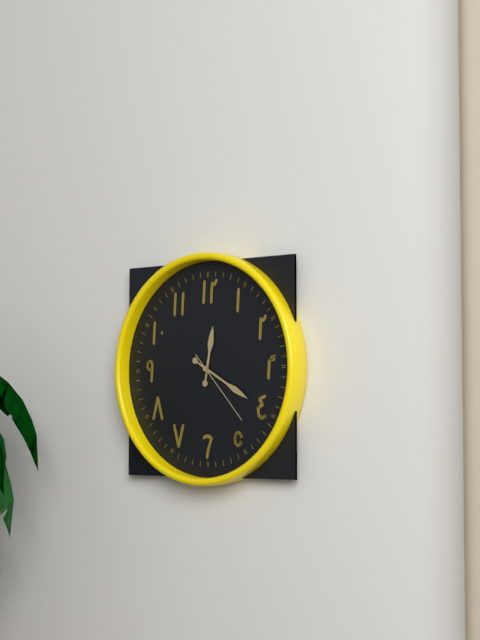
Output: 12h20m23s
